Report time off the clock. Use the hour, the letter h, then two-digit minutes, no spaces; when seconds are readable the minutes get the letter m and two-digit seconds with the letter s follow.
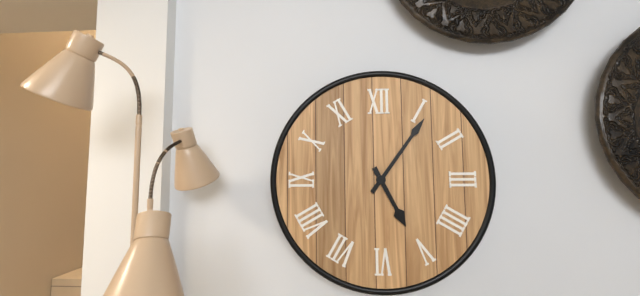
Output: 5h06
